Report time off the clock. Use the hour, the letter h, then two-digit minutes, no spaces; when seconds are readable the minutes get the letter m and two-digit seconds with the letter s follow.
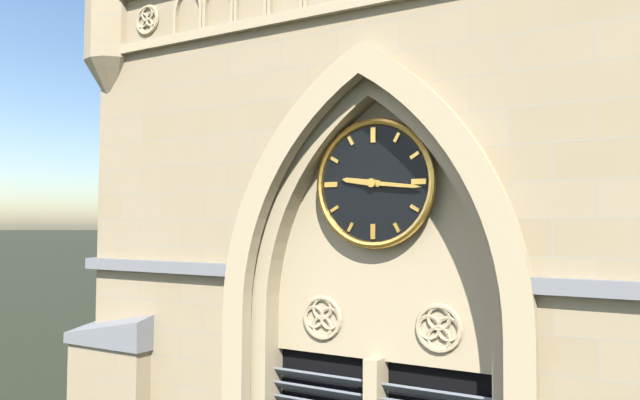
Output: 9h16
